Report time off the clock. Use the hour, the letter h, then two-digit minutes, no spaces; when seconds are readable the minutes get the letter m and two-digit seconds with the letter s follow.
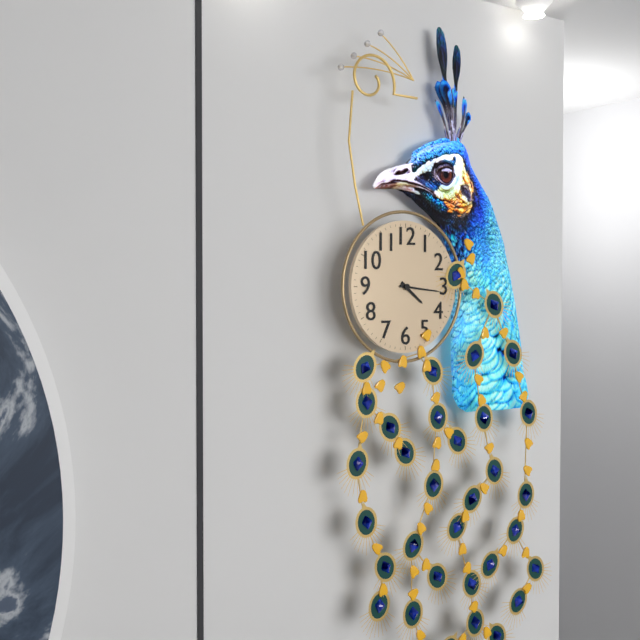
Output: 4h16
